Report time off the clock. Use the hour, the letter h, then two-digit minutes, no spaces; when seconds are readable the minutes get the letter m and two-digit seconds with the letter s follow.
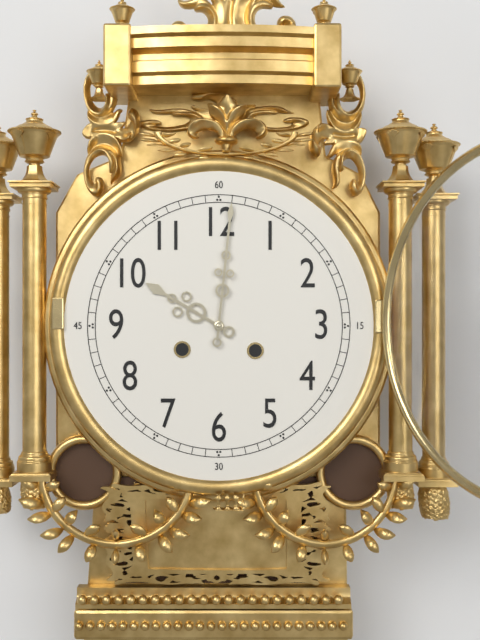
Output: 10h01
